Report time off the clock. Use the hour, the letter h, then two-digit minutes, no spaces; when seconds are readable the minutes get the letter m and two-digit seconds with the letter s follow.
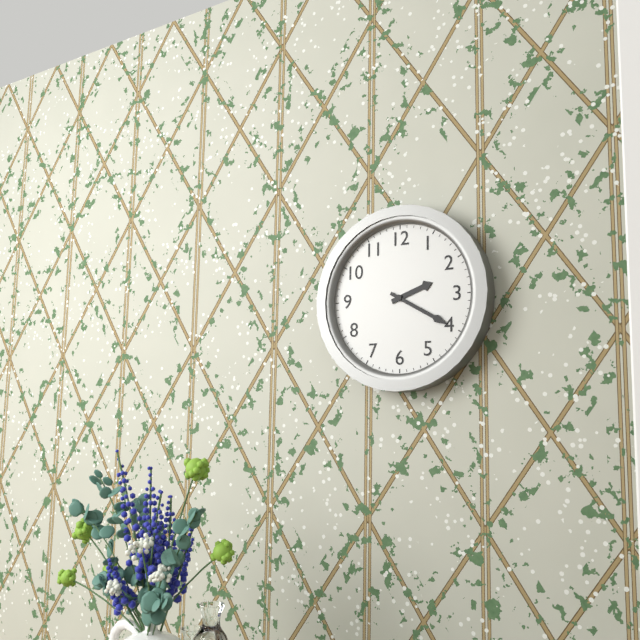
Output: 2h20
